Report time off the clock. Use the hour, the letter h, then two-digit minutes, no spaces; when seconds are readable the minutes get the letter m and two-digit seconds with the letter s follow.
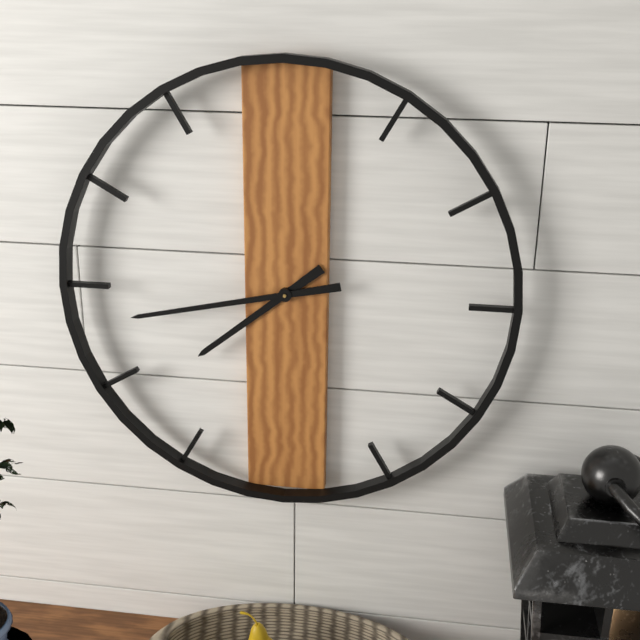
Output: 7h43
